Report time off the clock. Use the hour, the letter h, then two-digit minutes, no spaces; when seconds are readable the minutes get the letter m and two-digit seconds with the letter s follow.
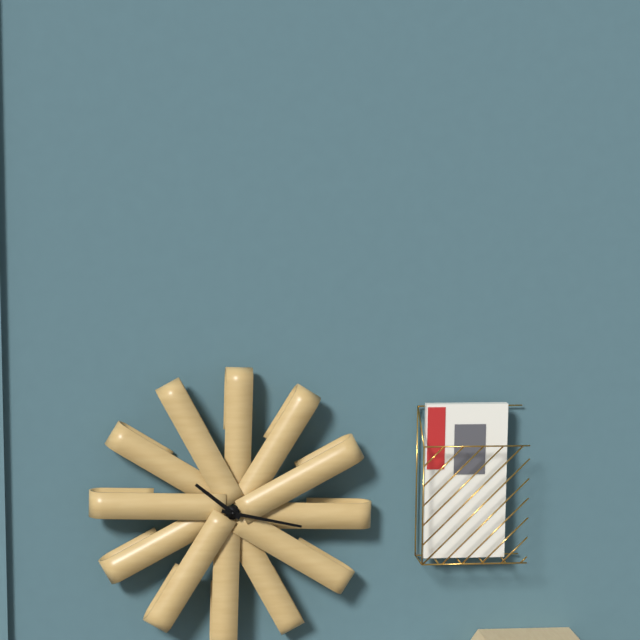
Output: 10h17
